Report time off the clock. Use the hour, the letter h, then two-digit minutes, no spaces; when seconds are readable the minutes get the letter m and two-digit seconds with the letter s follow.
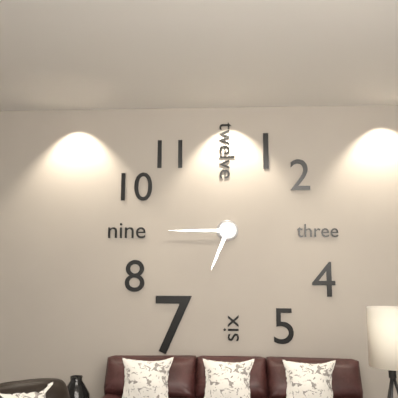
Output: 6h45
